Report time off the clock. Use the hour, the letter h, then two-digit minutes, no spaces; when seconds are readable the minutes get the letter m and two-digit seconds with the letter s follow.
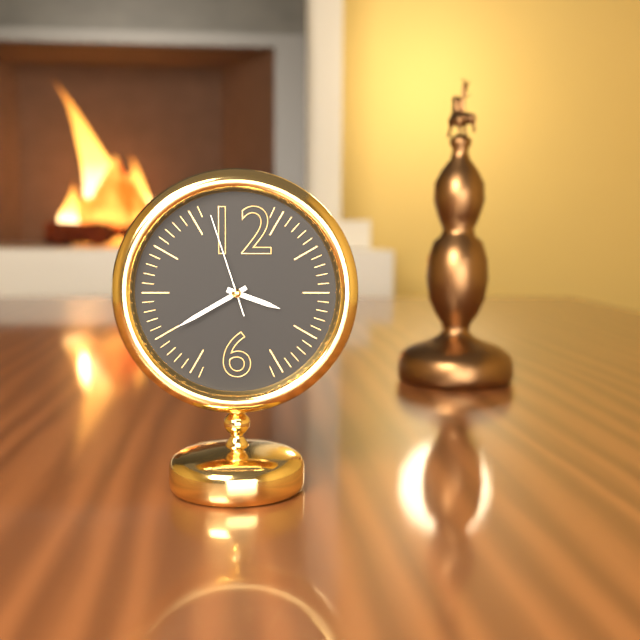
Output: 3h40m57s
